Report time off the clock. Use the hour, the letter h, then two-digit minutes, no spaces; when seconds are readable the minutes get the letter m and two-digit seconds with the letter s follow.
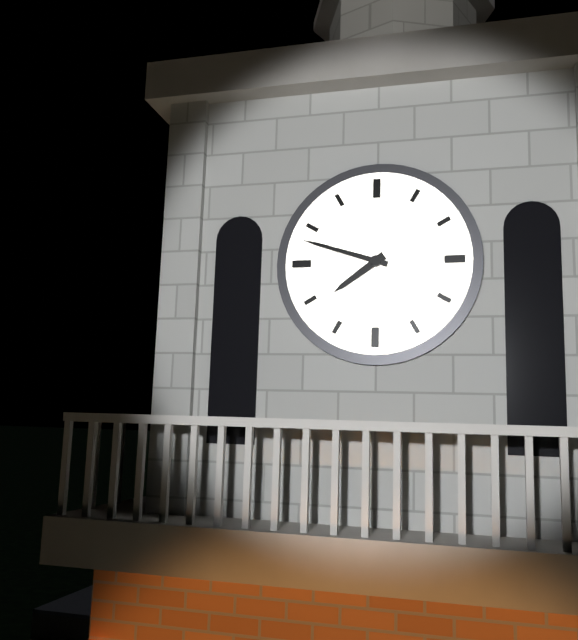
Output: 7h48
